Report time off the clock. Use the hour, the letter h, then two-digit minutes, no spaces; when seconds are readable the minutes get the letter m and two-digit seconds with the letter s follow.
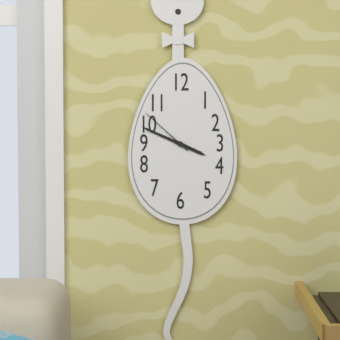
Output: 3h49m52s
